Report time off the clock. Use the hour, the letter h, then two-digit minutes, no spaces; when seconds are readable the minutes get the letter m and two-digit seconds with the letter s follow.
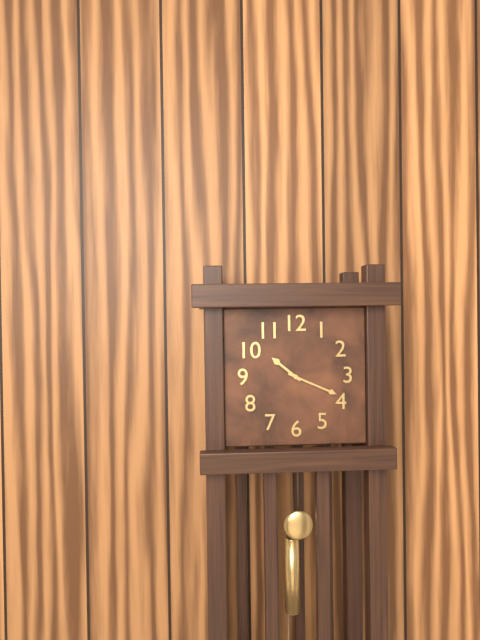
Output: 10h19
